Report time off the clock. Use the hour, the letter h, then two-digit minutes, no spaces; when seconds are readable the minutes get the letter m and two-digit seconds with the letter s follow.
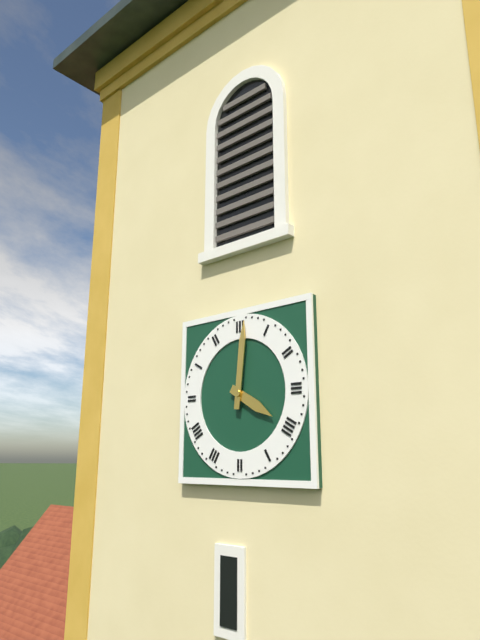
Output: 4h01
